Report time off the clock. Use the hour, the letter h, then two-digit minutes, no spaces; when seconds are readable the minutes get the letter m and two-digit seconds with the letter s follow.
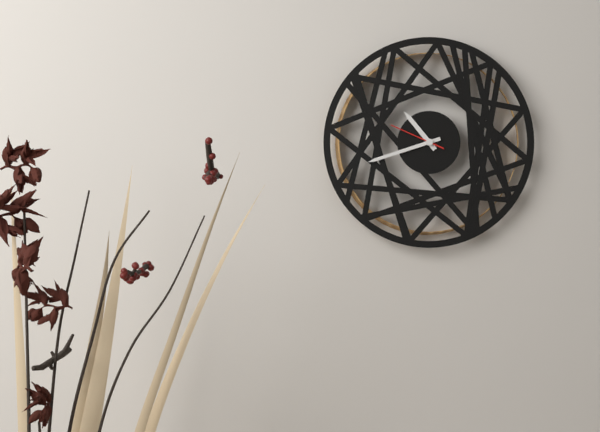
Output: 10h42m49s
